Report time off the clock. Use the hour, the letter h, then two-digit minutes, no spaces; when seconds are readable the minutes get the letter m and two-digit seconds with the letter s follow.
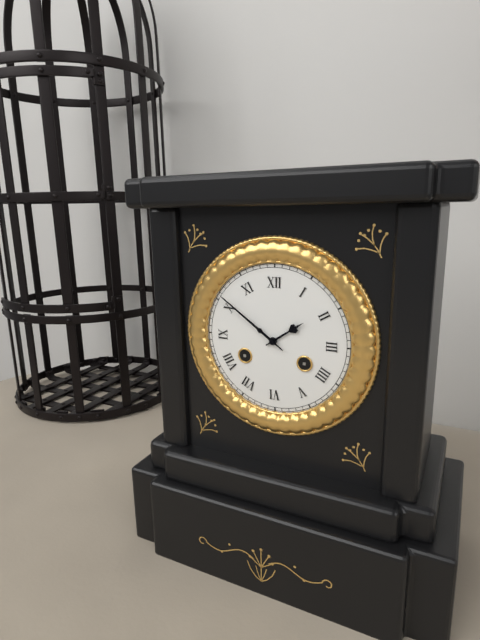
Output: 1h51
